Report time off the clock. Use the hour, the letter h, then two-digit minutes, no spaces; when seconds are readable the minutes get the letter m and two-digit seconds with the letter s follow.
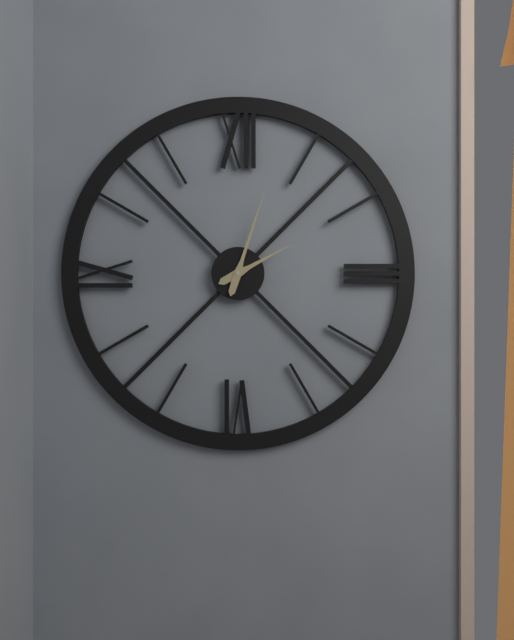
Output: 2h03
